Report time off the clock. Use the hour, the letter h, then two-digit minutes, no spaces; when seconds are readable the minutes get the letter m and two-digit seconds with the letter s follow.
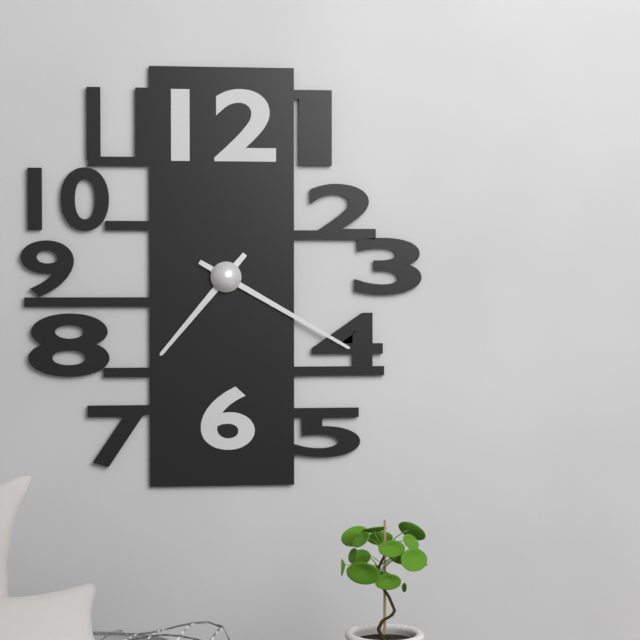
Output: 7h20
